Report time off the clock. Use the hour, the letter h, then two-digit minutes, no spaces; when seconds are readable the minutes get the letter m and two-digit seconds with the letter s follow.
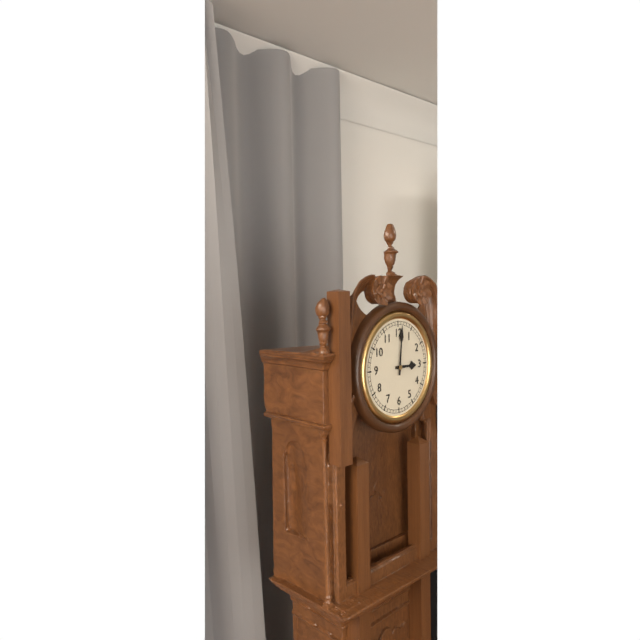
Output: 3h01
